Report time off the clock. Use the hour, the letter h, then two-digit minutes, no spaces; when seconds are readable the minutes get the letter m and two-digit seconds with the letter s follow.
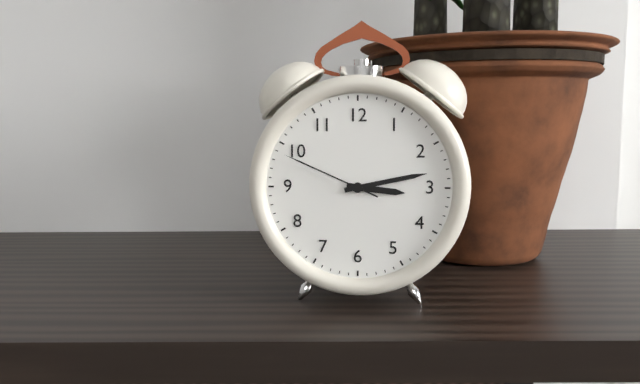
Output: 3h13m49s
